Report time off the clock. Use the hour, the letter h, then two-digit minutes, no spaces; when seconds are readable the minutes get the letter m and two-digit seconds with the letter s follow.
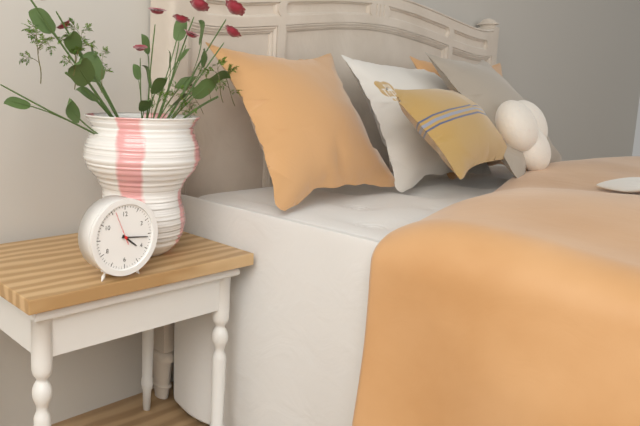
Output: 4h16
